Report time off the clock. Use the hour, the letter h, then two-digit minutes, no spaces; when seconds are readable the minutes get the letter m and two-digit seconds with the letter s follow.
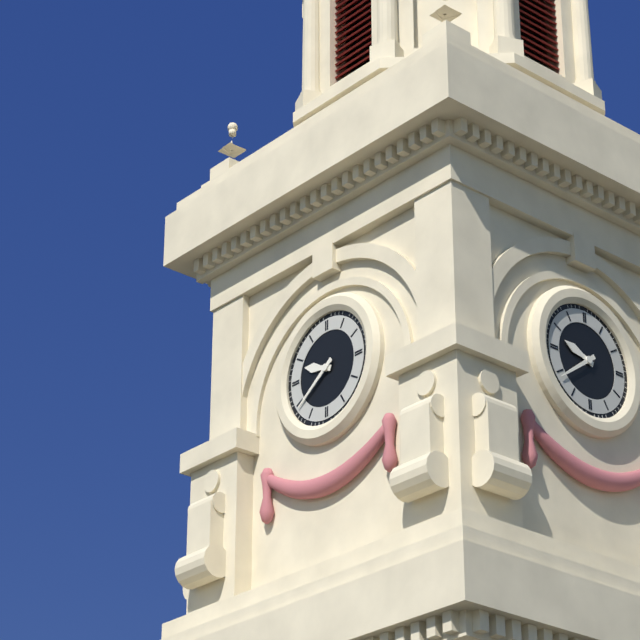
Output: 9h39
